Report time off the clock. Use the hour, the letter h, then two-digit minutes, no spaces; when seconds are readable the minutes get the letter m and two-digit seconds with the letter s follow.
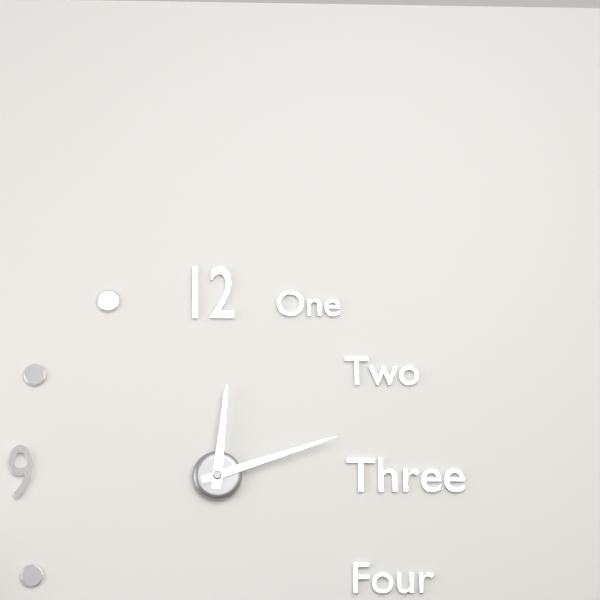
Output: 12h12
